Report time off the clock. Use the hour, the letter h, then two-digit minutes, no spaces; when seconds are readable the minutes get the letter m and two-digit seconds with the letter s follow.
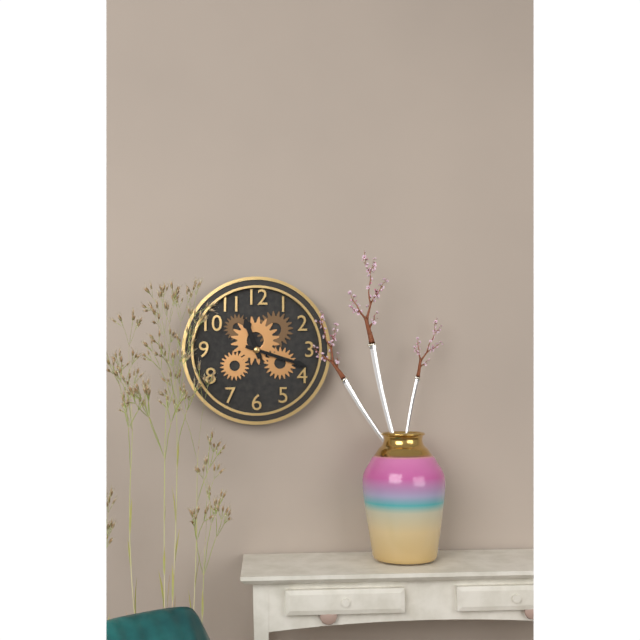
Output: 11h18
